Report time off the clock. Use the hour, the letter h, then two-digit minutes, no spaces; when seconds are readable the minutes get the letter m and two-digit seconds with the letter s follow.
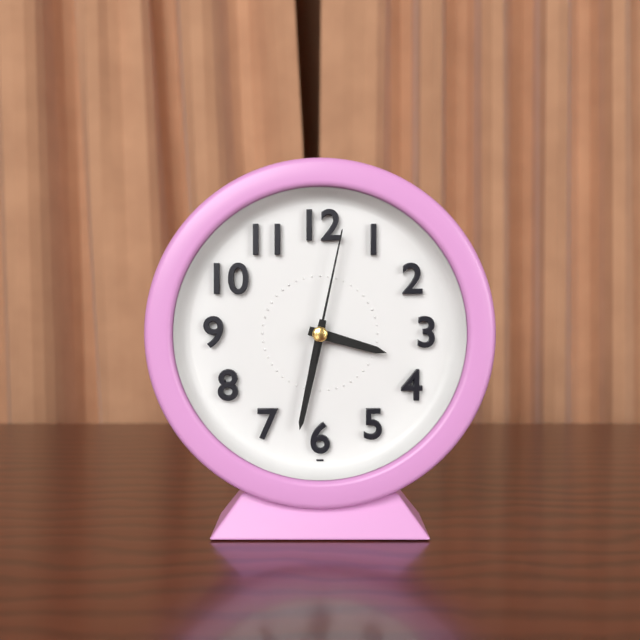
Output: 3h32m02s
